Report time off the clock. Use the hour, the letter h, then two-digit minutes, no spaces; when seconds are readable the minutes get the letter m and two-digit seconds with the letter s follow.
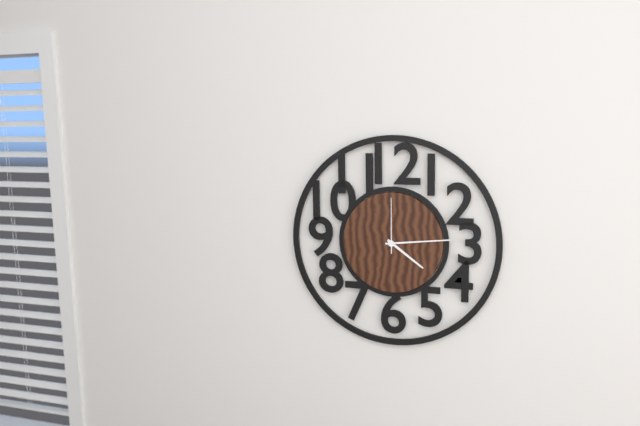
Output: 4h14m00s
